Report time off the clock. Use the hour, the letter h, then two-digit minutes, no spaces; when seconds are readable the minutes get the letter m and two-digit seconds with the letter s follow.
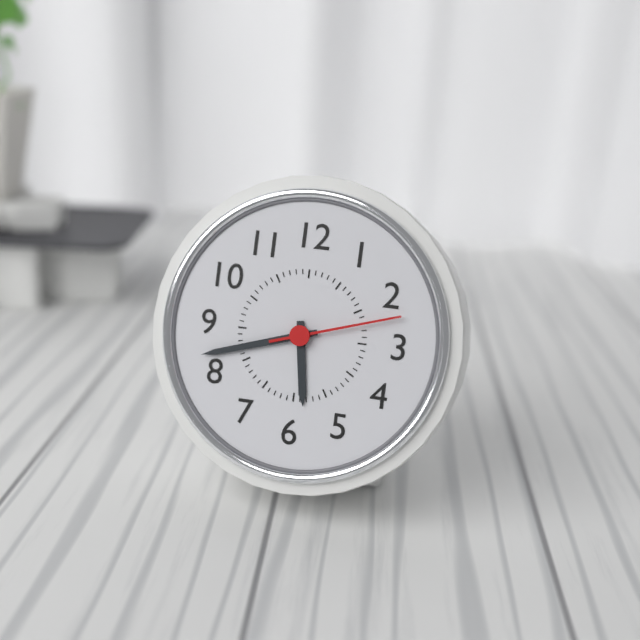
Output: 5h42m12s
